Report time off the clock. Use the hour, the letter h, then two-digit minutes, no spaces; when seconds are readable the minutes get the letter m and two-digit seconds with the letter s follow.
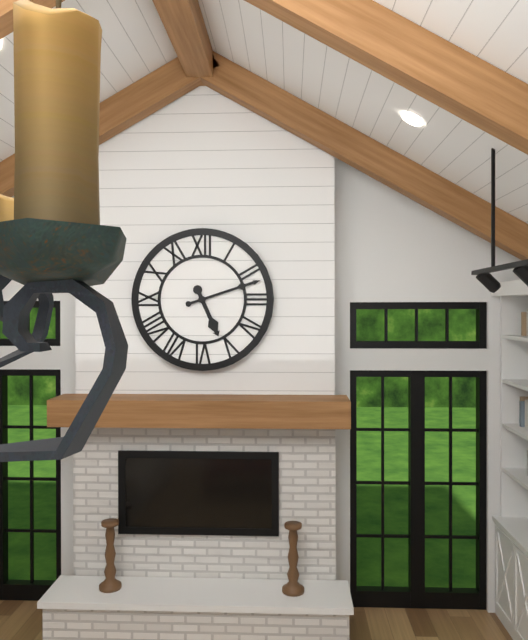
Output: 5h12
